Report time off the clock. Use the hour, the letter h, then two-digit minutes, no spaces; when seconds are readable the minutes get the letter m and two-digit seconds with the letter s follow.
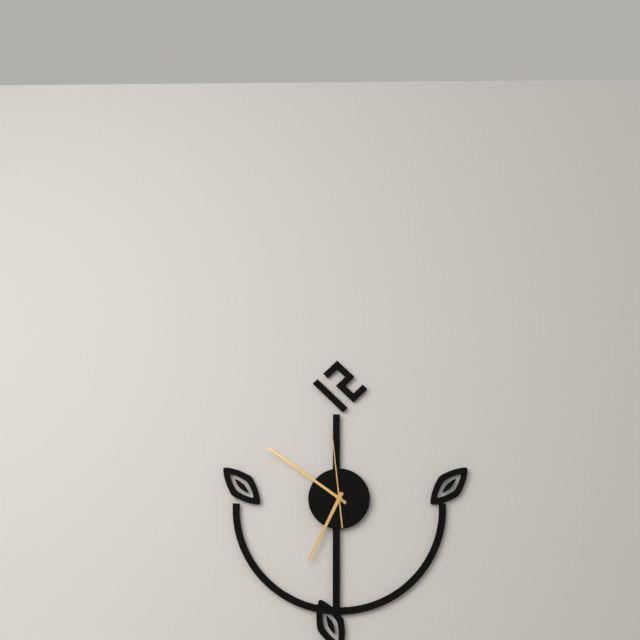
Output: 6h51m59s
